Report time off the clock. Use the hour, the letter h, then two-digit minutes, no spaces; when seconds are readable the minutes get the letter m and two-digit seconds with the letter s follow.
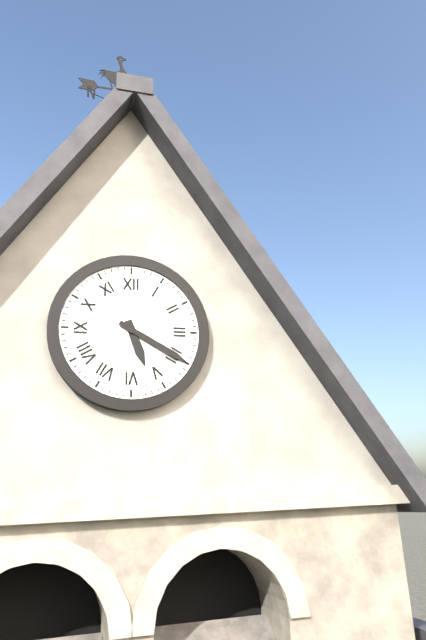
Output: 5h20
